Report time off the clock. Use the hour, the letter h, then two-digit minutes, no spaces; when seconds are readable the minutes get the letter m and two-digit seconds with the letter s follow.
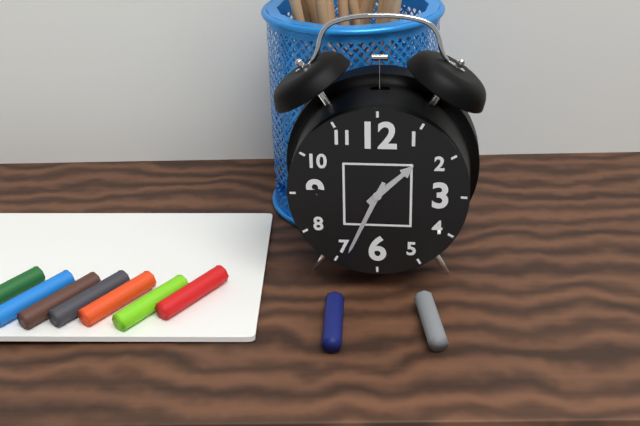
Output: 1h34
